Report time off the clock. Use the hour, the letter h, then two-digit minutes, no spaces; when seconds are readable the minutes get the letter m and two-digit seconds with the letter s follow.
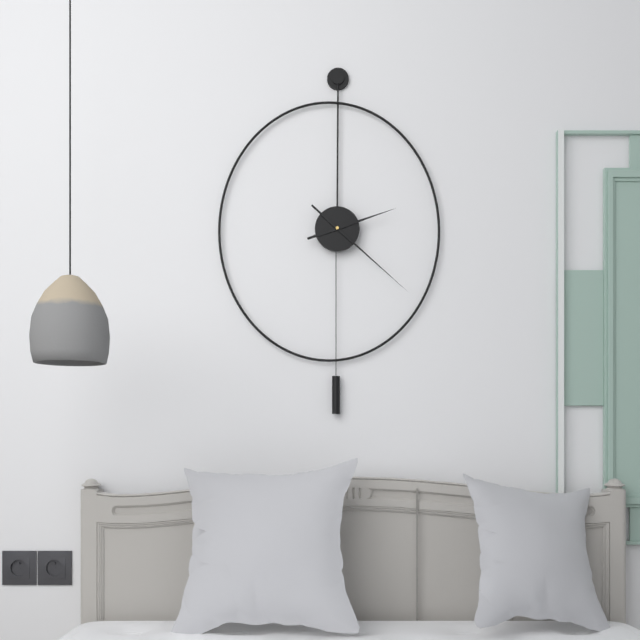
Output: 2h22
